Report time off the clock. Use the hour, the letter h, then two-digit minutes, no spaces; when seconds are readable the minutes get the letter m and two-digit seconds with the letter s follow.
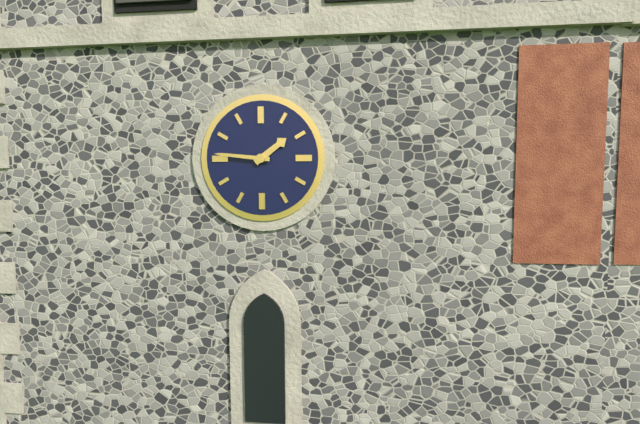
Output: 1h46
